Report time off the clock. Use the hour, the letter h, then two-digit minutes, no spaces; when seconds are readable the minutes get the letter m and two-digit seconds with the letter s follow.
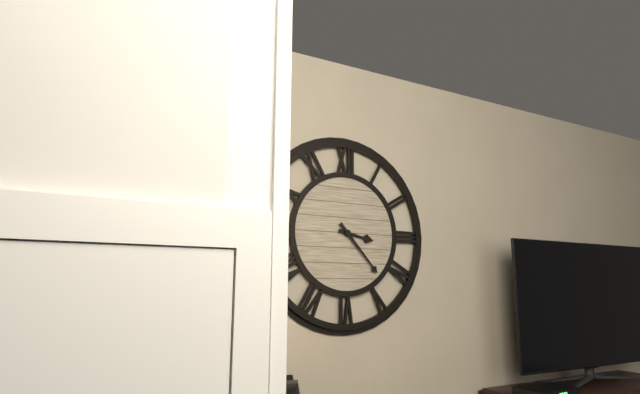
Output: 3h23
